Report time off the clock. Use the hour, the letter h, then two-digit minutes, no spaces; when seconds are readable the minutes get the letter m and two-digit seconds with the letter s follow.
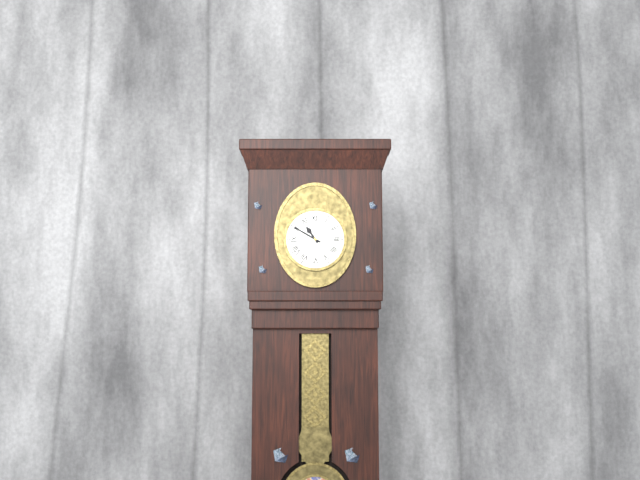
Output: 10h50
